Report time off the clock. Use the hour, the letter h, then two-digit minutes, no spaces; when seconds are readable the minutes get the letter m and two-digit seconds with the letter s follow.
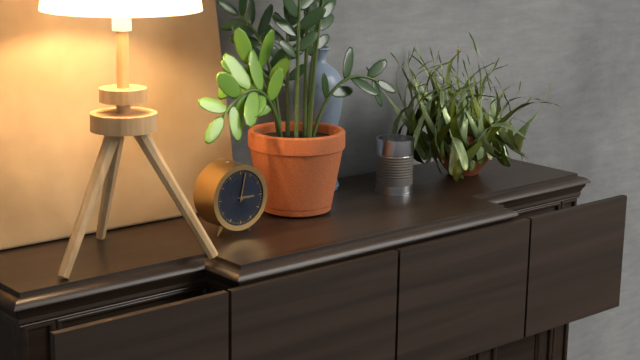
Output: 3h02
